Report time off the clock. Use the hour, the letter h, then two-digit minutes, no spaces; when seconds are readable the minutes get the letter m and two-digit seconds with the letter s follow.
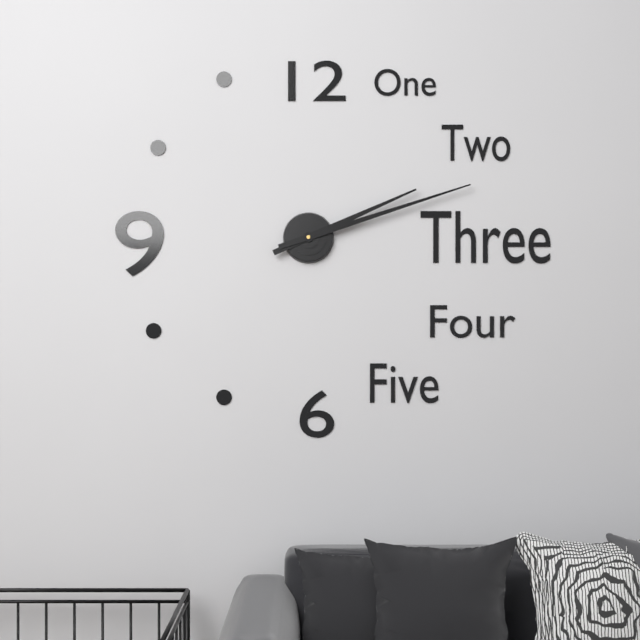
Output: 2h12
